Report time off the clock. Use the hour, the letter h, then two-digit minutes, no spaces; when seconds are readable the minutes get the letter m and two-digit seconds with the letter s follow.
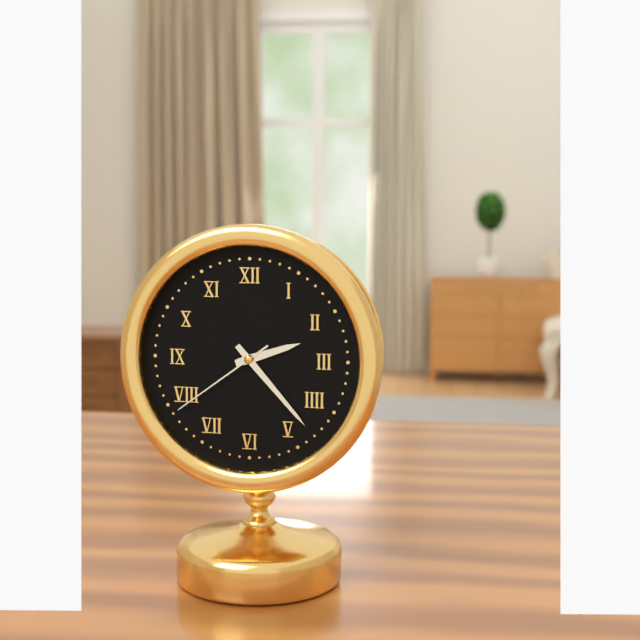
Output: 2h23m39s
